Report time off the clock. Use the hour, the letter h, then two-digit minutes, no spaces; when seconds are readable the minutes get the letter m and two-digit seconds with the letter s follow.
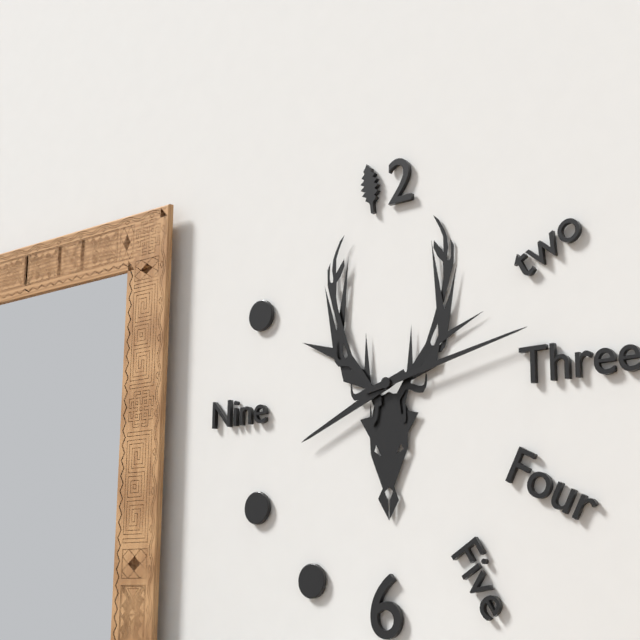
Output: 8h13
